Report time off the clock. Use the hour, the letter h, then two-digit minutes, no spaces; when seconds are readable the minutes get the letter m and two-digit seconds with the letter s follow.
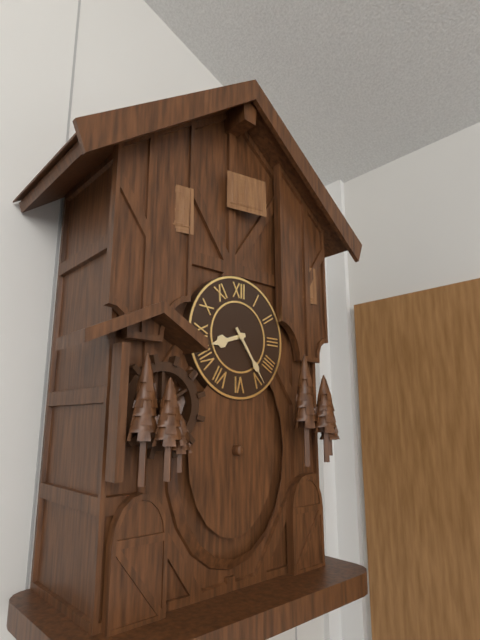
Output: 8h24
